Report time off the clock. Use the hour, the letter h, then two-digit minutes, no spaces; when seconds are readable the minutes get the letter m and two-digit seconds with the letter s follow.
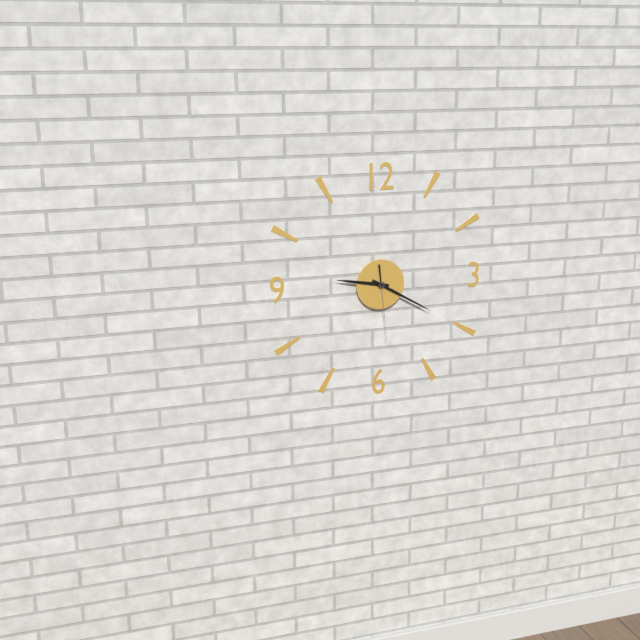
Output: 9h20m29s
